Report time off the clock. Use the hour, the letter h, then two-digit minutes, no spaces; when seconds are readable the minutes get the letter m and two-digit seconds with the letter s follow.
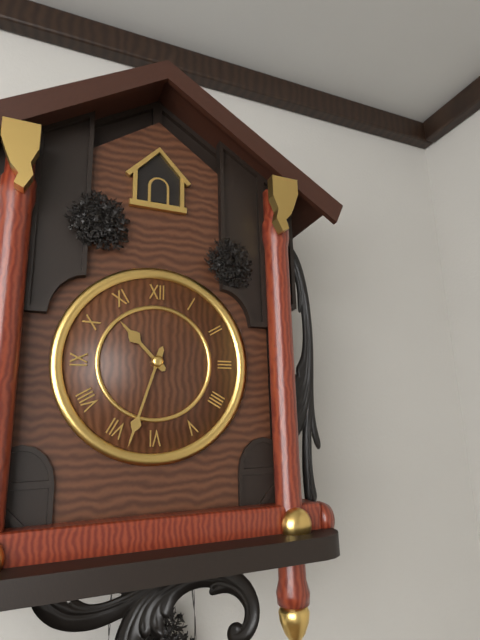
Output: 10h33
